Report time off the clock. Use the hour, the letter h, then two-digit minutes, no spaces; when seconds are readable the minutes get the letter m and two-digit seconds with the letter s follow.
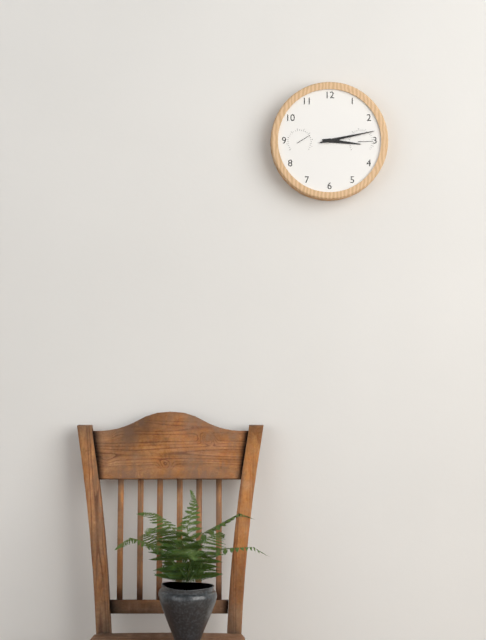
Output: 3h13
